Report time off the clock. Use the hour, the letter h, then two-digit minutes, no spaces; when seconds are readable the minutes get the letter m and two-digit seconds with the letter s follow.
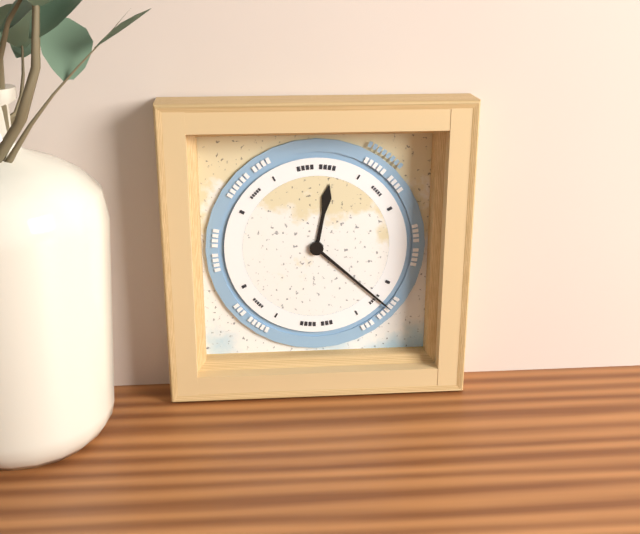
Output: 12h22
